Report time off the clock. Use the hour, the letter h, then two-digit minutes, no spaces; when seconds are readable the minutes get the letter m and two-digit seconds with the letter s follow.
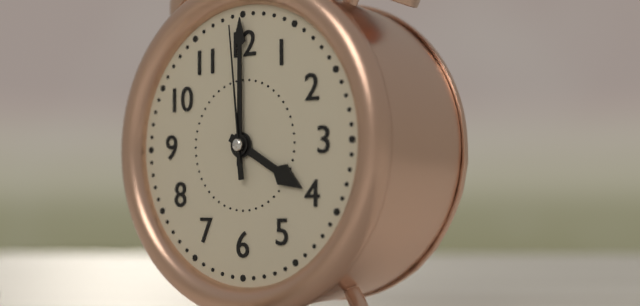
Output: 4h00m59s
